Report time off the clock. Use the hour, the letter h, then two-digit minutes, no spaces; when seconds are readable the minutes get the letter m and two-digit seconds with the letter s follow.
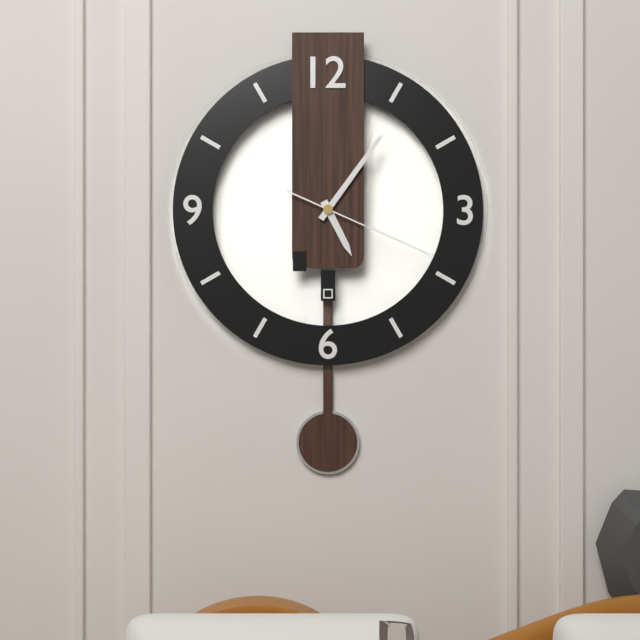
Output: 5h06m19s
